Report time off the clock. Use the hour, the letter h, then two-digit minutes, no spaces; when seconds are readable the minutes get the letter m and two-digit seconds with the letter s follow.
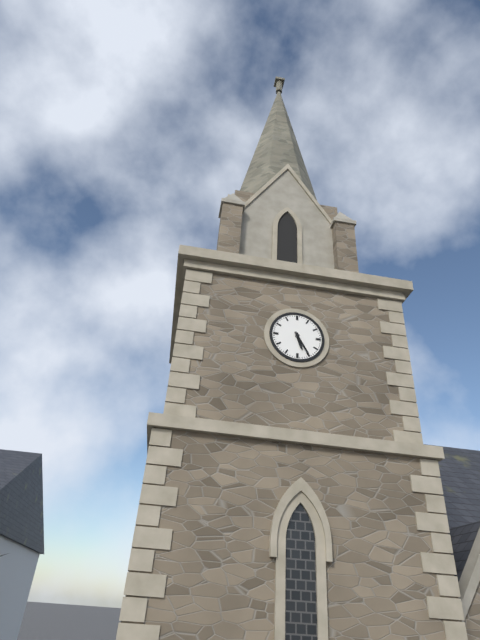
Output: 5h25
